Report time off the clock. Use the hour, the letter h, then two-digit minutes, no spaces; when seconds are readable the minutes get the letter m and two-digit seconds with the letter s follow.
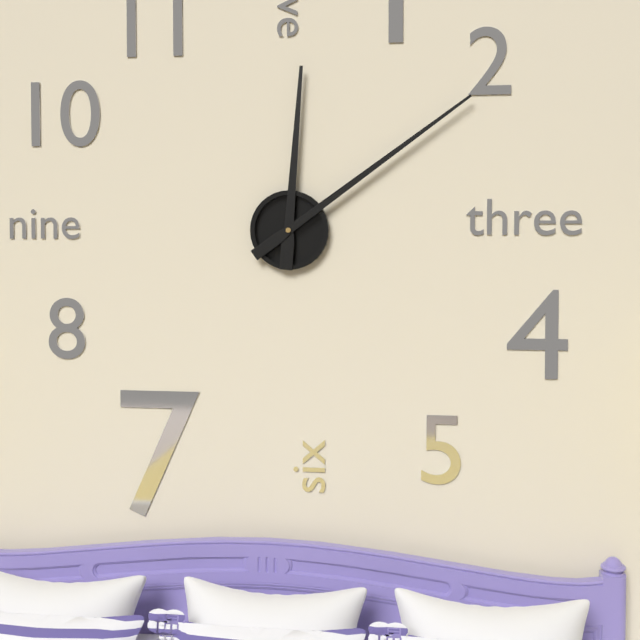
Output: 12h09
